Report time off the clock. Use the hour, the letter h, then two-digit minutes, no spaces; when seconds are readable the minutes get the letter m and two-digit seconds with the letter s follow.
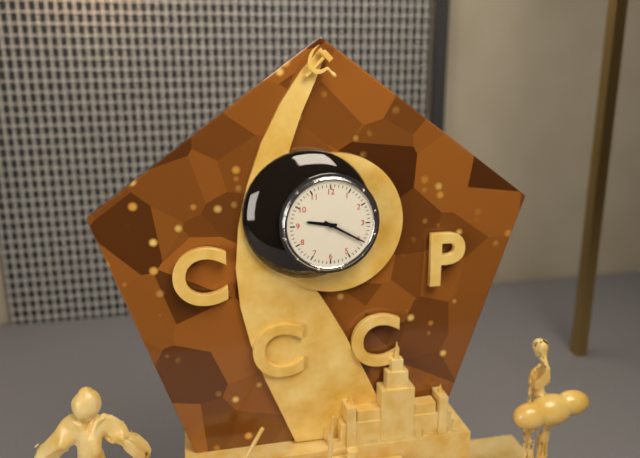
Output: 9h20
